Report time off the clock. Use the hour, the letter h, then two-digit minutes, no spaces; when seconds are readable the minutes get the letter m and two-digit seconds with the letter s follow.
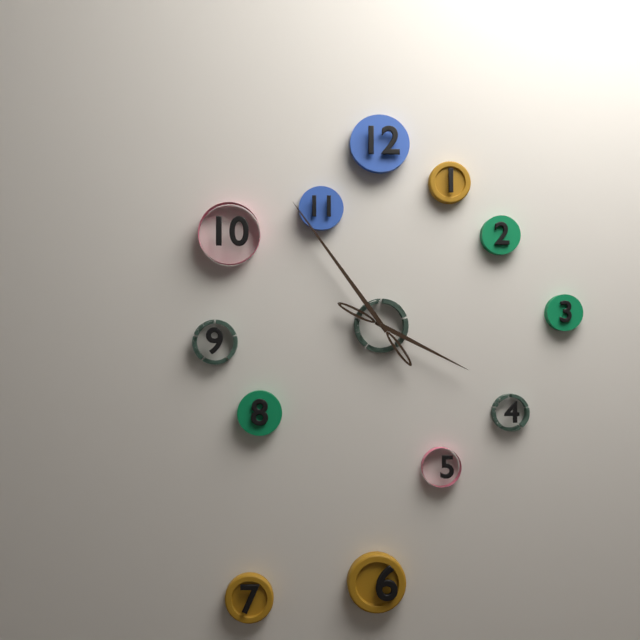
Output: 3h54
